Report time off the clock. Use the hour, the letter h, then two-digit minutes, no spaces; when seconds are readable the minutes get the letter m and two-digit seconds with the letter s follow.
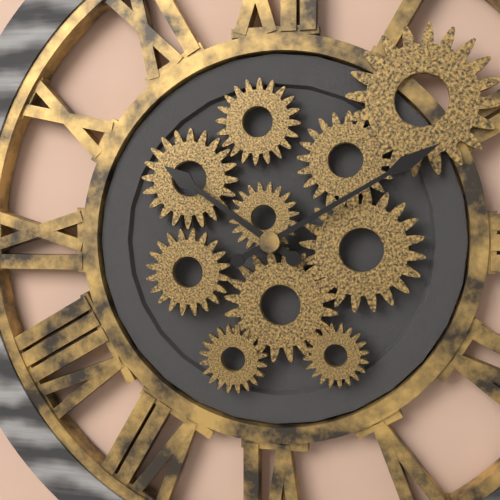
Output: 10h10
